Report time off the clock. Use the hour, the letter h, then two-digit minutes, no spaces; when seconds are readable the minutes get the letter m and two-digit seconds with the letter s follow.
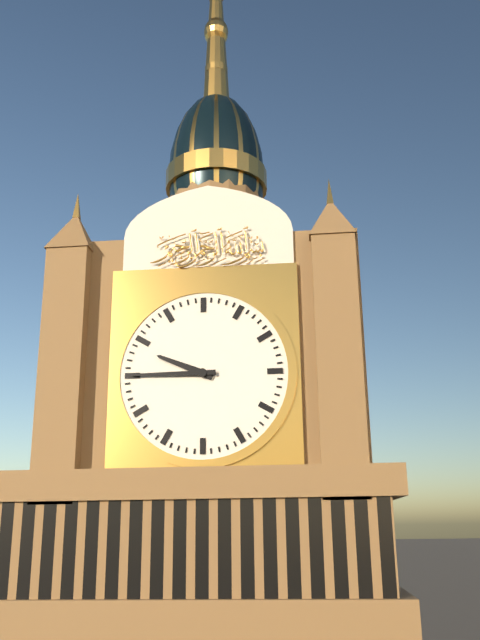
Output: 9h45
